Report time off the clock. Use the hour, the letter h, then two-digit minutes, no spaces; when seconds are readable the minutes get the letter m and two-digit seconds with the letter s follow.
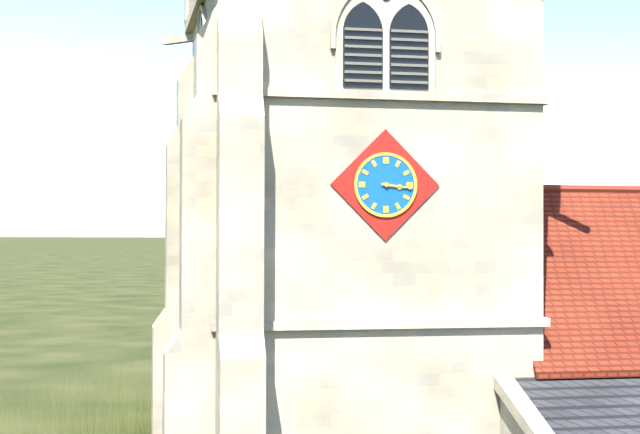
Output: 3h16
